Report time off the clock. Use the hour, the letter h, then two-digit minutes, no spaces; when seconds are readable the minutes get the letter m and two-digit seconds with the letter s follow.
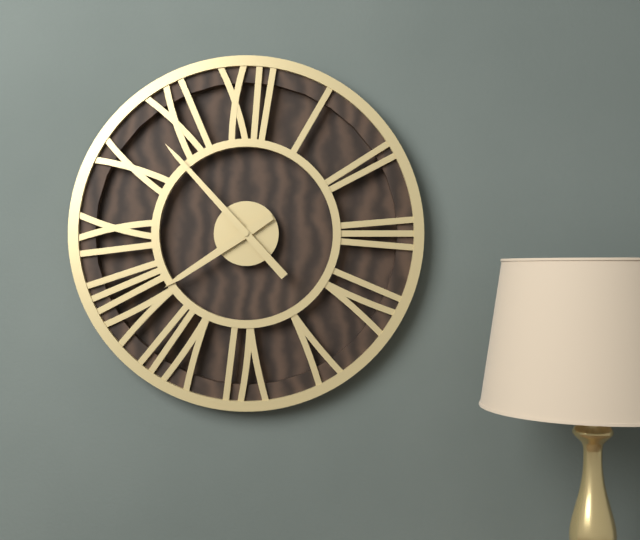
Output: 7h53
